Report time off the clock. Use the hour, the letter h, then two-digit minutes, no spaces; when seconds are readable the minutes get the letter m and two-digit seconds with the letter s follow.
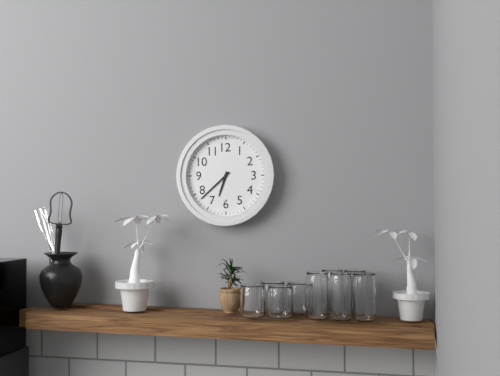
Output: 6h38
